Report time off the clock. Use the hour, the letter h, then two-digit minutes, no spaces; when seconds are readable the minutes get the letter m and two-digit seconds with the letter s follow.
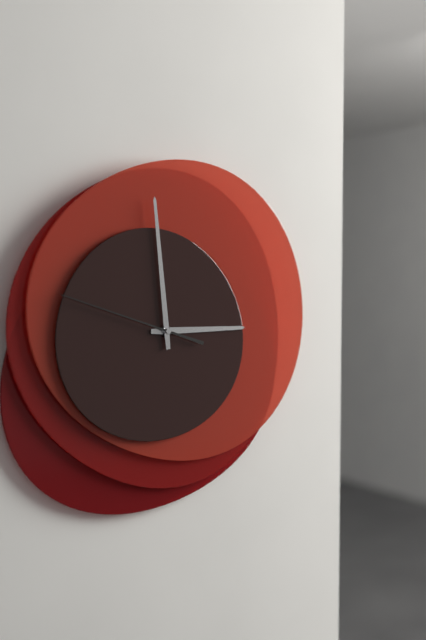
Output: 2h59m48s
